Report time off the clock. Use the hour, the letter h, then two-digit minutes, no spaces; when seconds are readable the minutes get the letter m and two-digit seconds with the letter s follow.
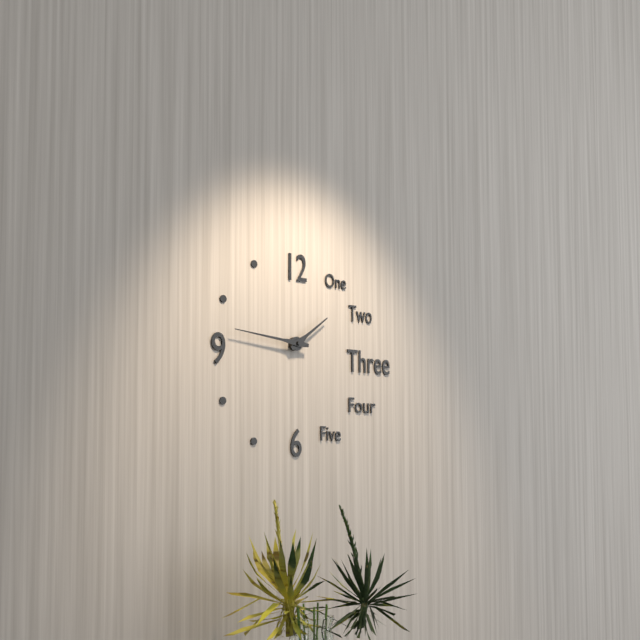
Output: 1h46
